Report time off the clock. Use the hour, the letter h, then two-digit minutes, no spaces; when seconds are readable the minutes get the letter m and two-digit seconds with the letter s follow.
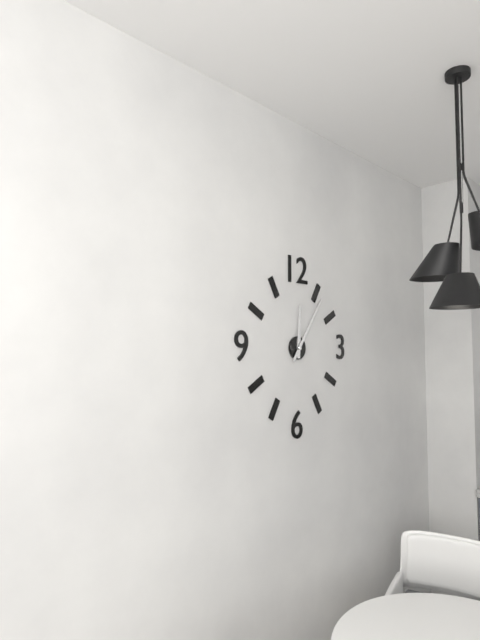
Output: 12h06
